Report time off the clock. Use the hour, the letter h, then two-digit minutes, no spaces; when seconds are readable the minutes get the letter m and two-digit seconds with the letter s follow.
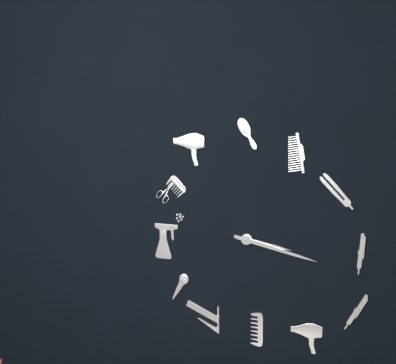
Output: 3h17
